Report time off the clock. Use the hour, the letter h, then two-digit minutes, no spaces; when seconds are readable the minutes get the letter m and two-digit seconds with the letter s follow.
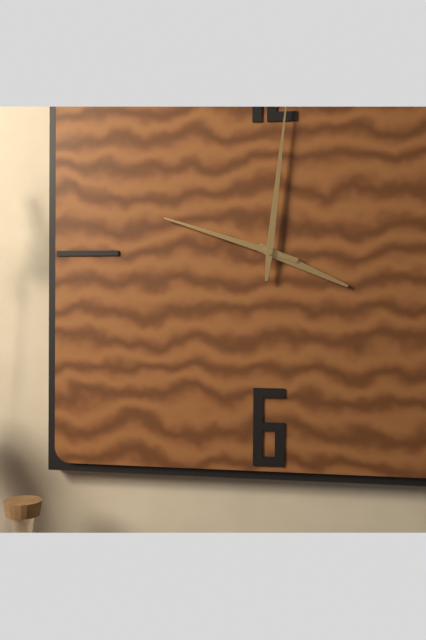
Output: 3h48m01s
